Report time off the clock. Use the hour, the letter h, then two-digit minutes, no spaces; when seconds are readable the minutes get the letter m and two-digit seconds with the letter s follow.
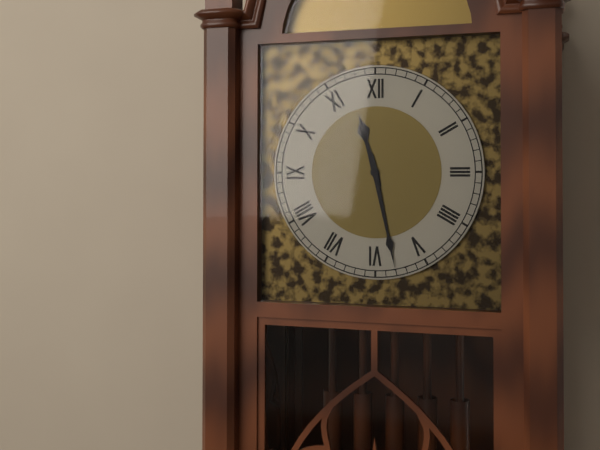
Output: 11h28
